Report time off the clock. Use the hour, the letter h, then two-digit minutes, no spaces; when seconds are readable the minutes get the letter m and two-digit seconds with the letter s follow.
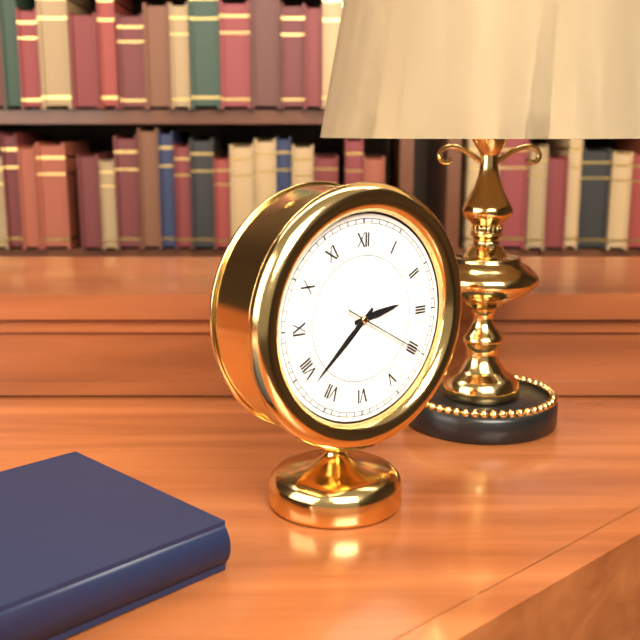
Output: 2h38m20s
